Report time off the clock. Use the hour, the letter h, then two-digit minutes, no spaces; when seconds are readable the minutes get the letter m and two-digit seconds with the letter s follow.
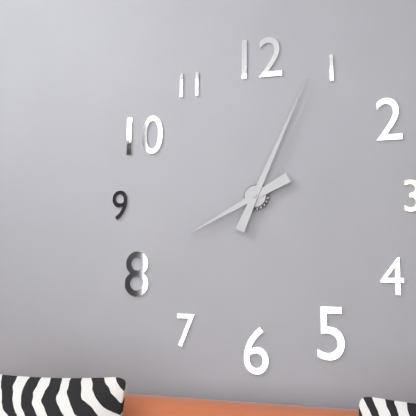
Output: 8h04
